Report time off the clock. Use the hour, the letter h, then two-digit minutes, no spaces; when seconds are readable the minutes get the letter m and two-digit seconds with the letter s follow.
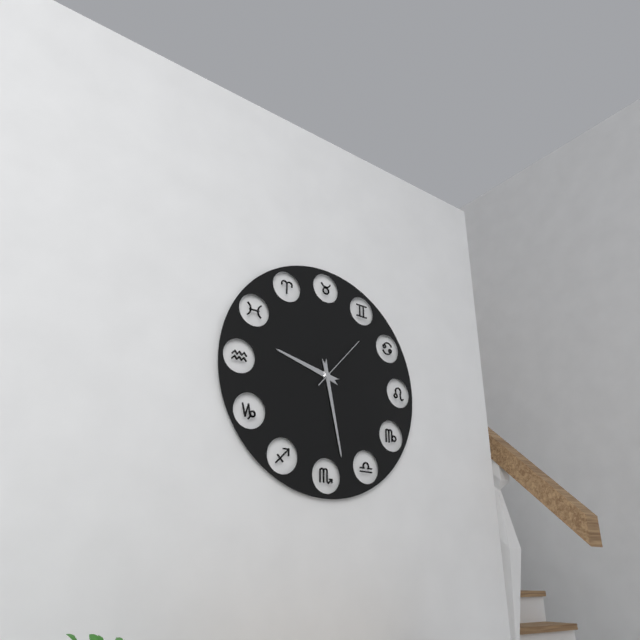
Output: 9h28m07s
